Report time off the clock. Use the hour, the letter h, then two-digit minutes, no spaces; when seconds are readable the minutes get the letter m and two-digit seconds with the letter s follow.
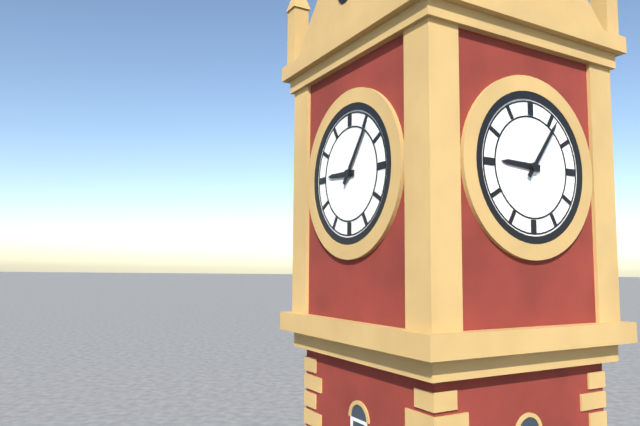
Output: 9h06
